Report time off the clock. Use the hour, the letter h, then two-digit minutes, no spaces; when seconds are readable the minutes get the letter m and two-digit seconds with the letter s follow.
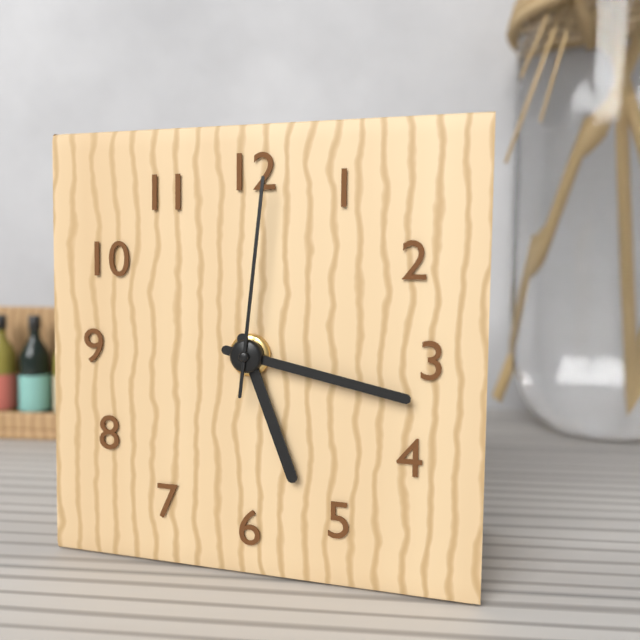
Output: 5h17m01s
